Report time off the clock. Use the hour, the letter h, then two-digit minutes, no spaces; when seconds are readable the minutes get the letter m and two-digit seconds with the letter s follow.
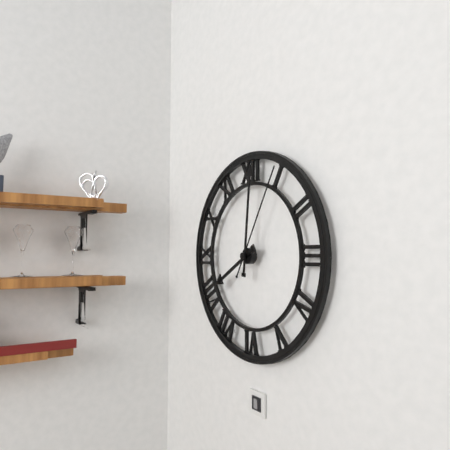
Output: 8h01m05s
